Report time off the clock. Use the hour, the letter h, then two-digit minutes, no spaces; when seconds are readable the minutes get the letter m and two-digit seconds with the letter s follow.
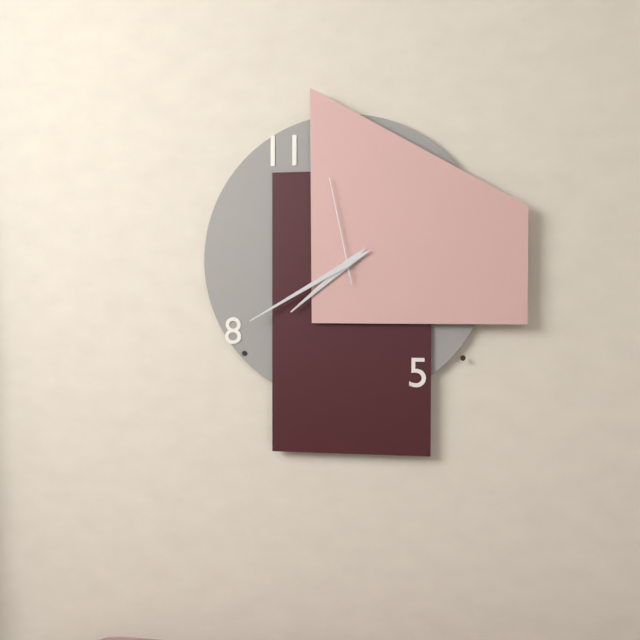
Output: 7h40m58s
